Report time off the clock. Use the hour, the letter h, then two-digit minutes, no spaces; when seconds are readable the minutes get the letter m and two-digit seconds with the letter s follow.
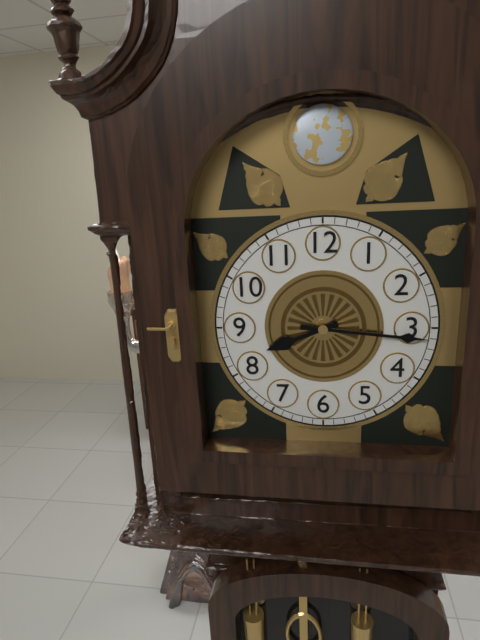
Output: 8h16
